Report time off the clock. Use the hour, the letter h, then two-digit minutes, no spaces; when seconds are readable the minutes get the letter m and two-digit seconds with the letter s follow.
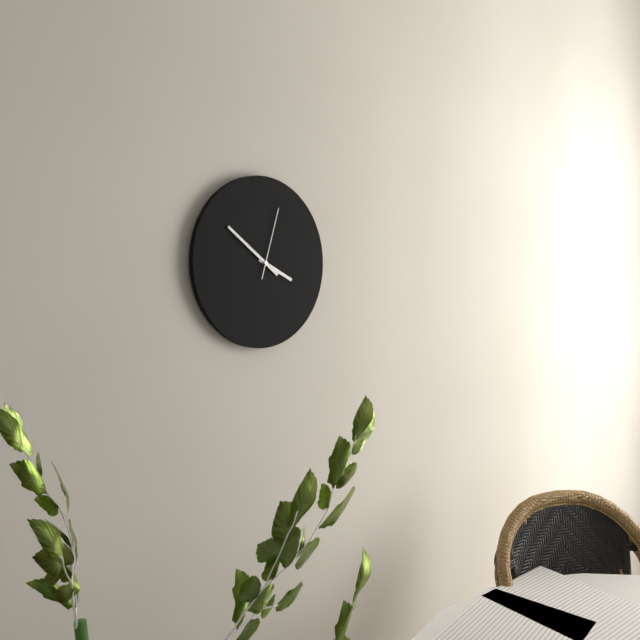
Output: 3h51m03s
